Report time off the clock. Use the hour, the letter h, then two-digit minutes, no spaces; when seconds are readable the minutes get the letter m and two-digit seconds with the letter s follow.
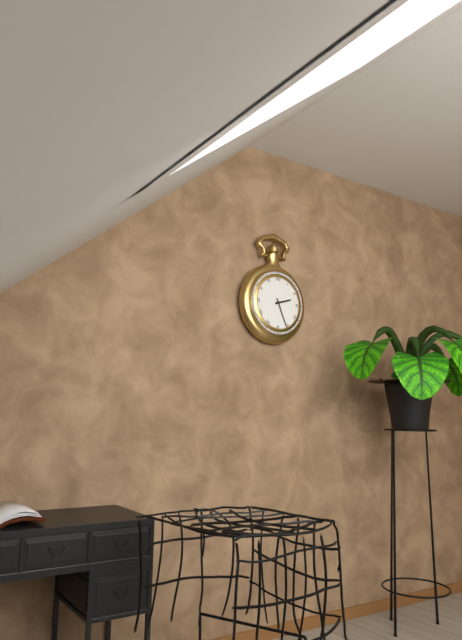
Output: 2h26
